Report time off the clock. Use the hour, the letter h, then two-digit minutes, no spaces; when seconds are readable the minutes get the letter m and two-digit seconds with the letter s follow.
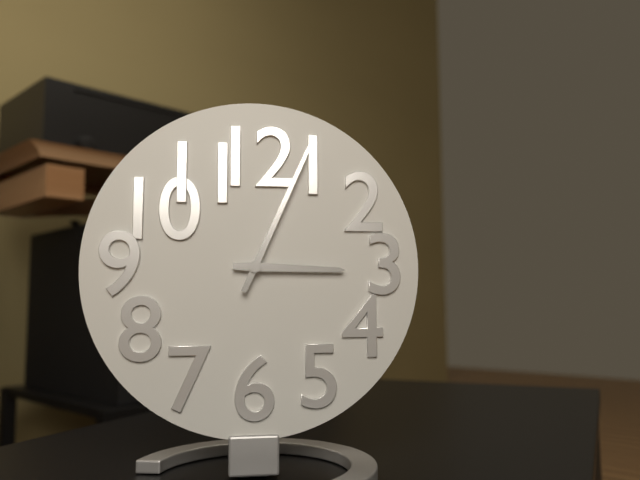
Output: 3h04
